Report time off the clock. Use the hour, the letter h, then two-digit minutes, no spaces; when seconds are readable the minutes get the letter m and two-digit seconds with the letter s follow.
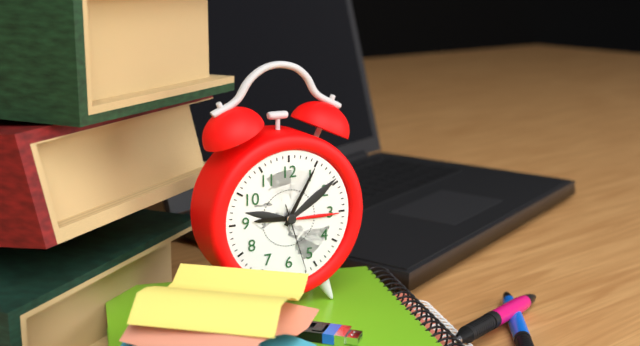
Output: 9h05m27s
